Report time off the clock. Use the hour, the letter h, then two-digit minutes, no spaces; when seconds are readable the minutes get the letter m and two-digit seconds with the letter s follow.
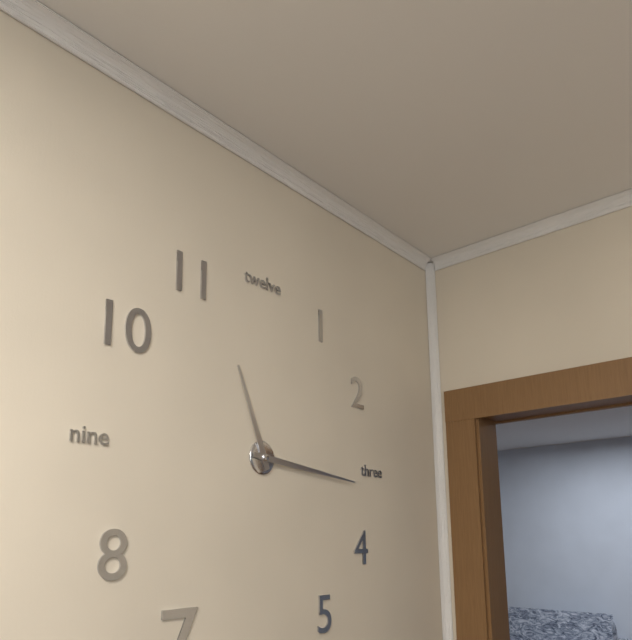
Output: 11h16
